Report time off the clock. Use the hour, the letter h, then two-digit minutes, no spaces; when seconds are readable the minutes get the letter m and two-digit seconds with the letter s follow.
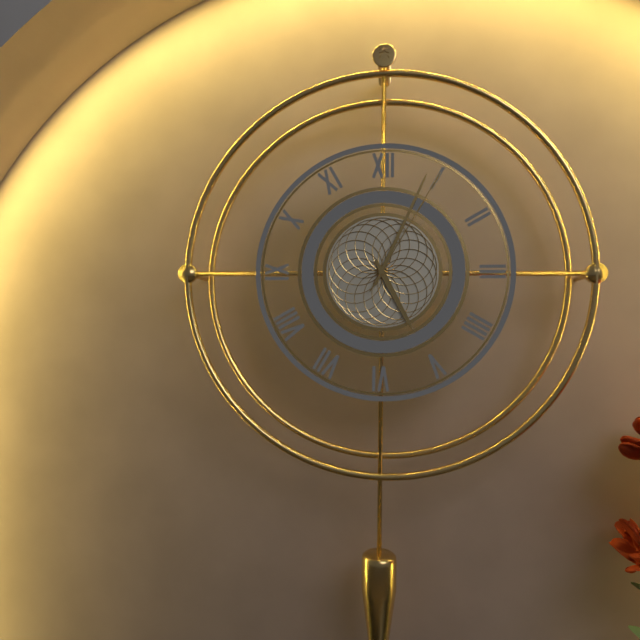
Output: 5h04m05s
